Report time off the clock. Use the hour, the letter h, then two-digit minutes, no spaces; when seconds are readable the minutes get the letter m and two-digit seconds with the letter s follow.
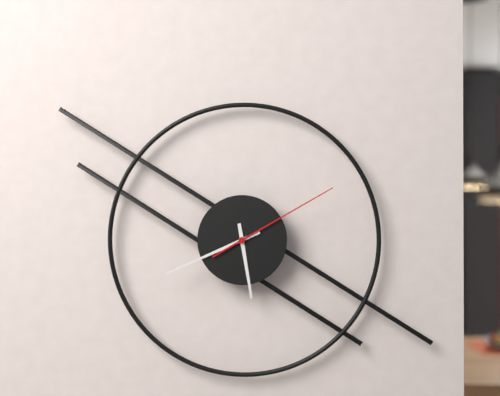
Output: 5h41m10s
